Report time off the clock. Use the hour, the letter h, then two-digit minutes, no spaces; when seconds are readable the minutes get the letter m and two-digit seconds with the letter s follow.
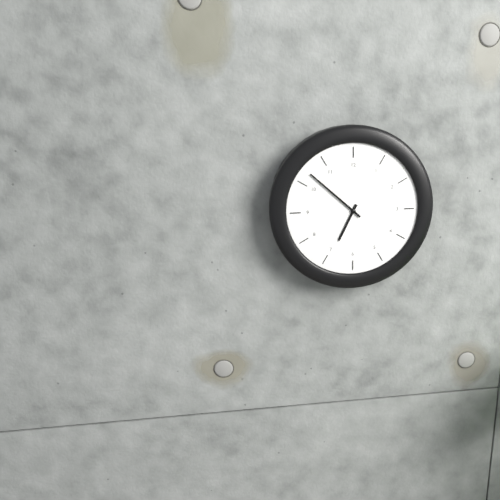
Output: 6h52
